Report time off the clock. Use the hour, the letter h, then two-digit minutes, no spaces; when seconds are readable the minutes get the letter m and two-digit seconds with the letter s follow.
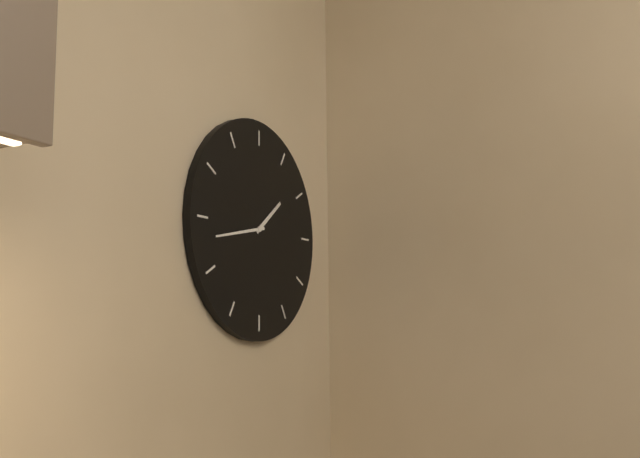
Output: 1h43
